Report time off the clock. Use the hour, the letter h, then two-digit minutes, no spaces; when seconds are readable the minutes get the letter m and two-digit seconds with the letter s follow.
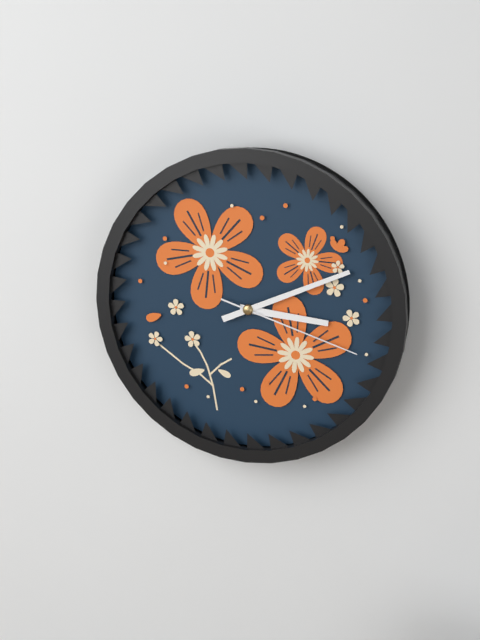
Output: 3h11m18s
